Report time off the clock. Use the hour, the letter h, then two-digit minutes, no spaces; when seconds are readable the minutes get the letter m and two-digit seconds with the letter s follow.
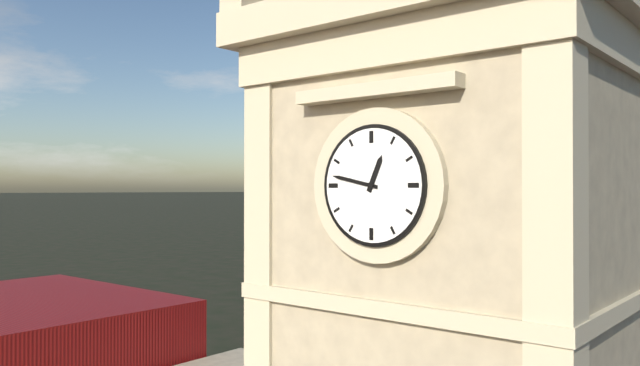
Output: 12h47
